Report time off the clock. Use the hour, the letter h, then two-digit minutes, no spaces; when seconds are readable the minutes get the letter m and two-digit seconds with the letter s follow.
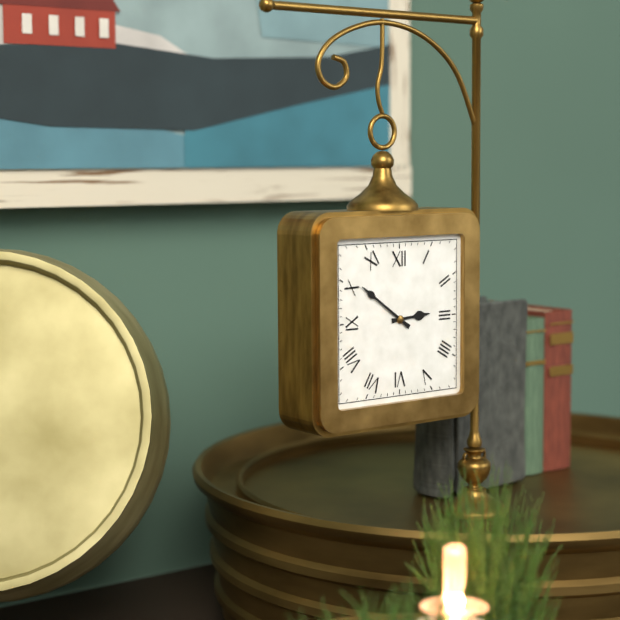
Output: 2h51
